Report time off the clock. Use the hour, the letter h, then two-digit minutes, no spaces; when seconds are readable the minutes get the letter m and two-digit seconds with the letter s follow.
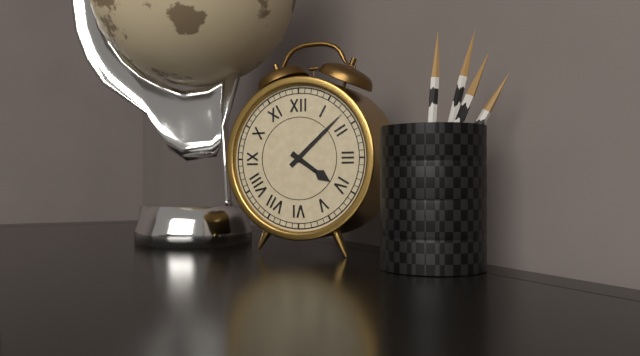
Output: 4h08
